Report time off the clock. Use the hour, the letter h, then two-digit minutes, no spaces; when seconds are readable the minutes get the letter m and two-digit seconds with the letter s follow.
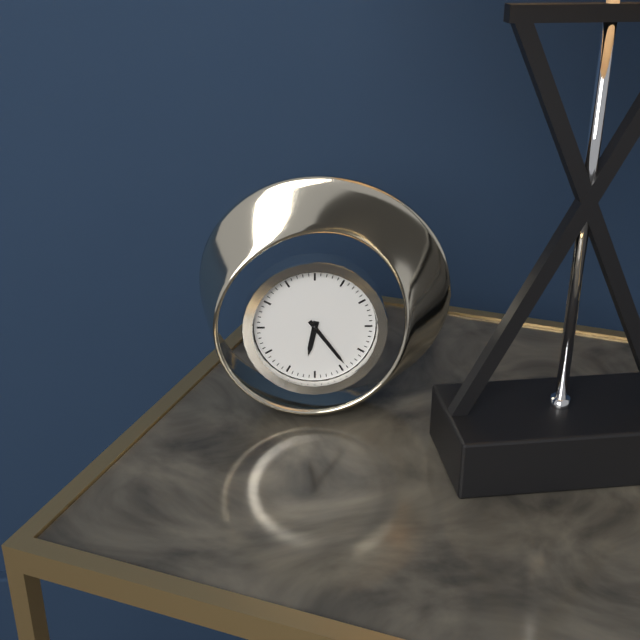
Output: 6h24
